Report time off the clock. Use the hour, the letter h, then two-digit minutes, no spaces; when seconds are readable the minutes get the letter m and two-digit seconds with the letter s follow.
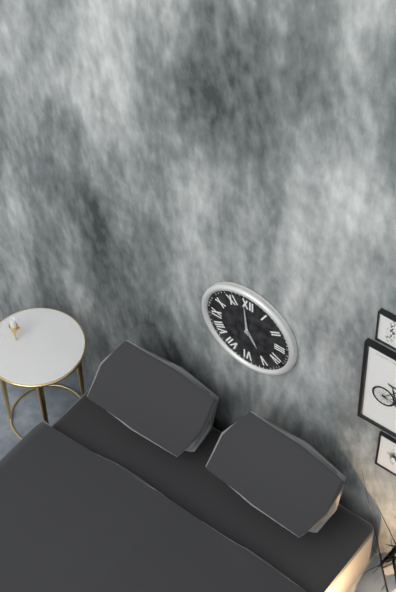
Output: 4h59
